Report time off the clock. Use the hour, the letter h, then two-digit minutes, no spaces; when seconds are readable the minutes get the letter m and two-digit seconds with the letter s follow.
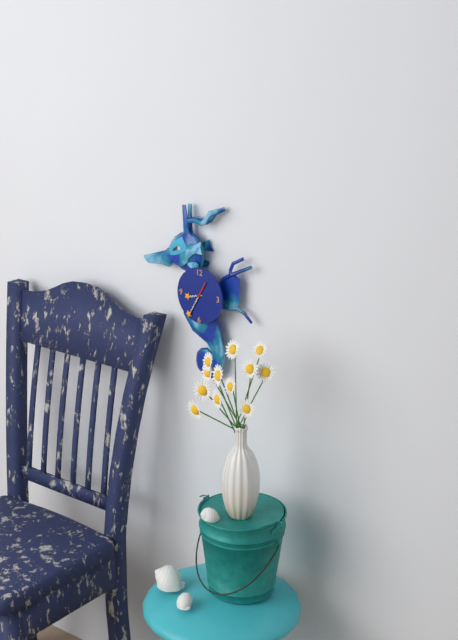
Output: 8h35
